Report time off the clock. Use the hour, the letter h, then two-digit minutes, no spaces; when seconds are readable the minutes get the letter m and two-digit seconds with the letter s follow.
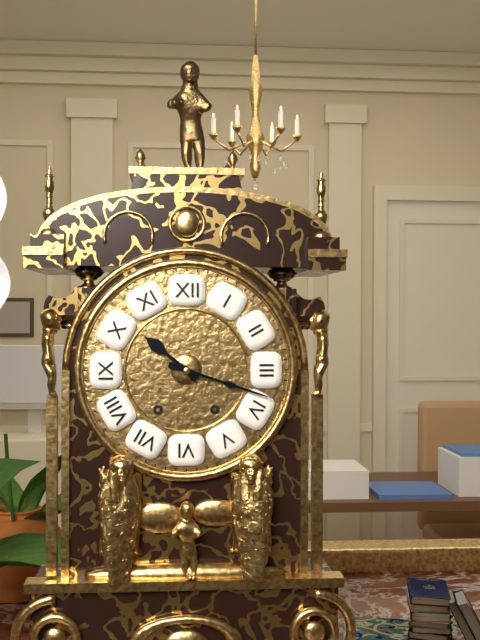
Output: 10h18
